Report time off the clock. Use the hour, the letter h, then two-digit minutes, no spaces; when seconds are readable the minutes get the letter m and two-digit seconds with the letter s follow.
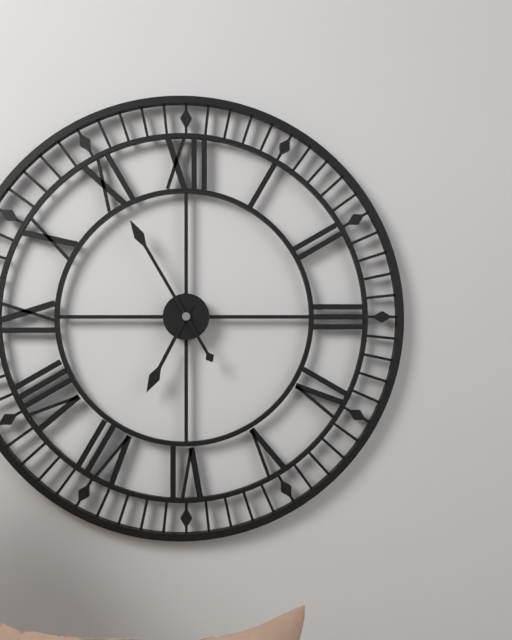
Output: 6h55
